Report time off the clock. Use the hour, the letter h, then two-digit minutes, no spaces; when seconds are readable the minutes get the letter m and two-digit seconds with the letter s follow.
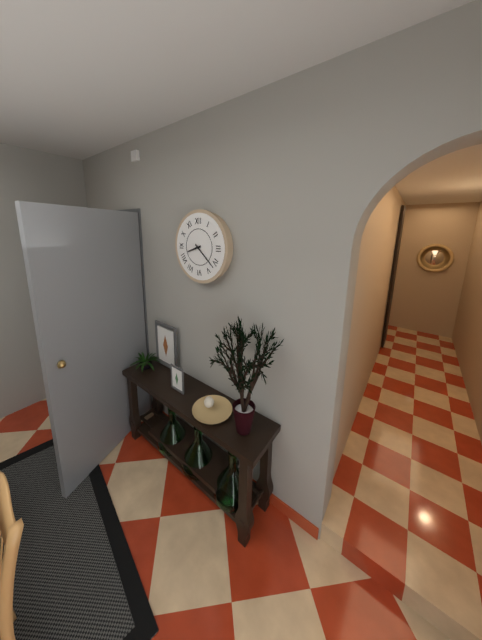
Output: 8h22
